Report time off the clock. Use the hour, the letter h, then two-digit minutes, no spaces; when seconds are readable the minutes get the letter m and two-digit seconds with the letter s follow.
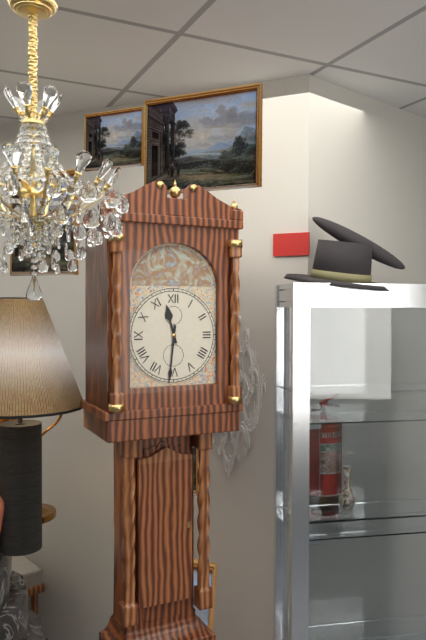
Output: 11h31
